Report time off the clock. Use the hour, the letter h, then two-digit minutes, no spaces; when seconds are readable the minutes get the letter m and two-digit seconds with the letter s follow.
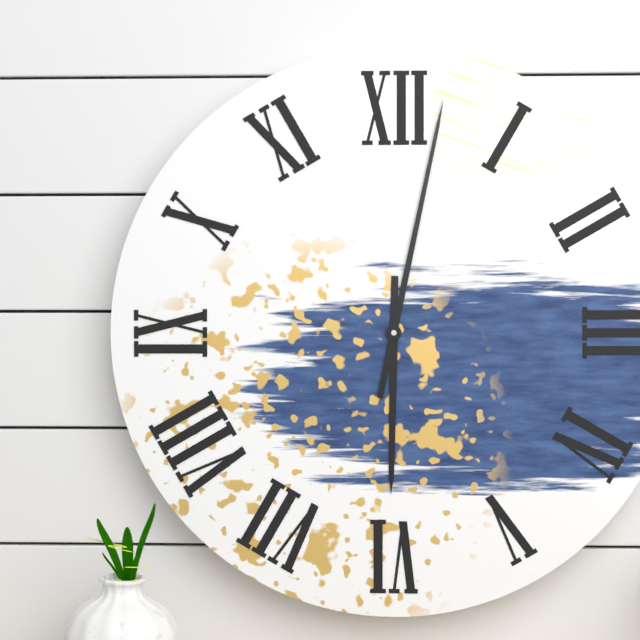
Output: 6h02
